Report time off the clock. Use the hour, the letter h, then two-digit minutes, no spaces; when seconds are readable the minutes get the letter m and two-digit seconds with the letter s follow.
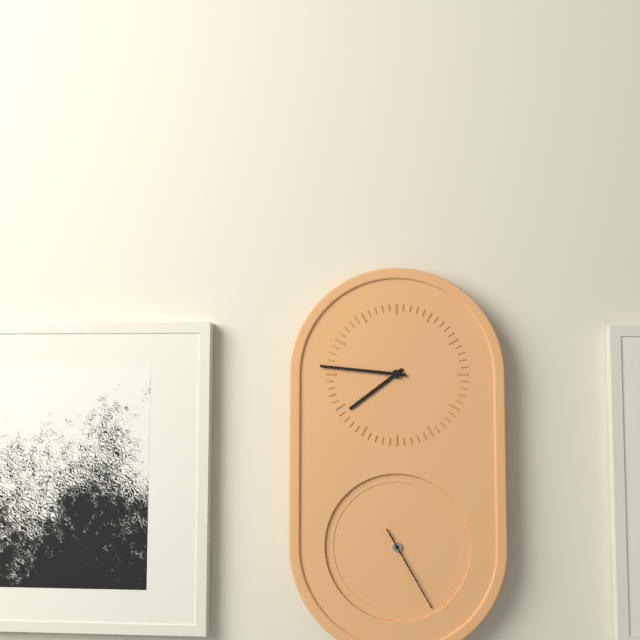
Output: 7h46m25s
